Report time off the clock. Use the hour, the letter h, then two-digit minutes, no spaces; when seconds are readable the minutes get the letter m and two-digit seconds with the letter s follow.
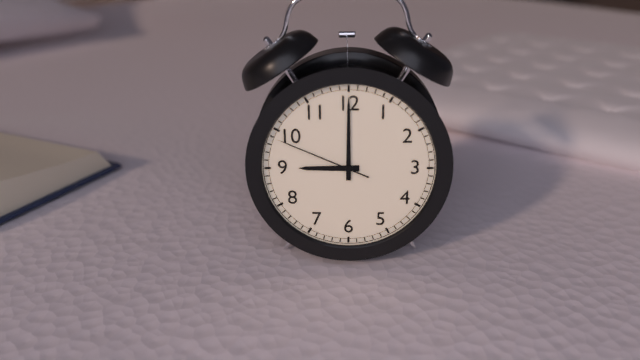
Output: 9h00m49s
